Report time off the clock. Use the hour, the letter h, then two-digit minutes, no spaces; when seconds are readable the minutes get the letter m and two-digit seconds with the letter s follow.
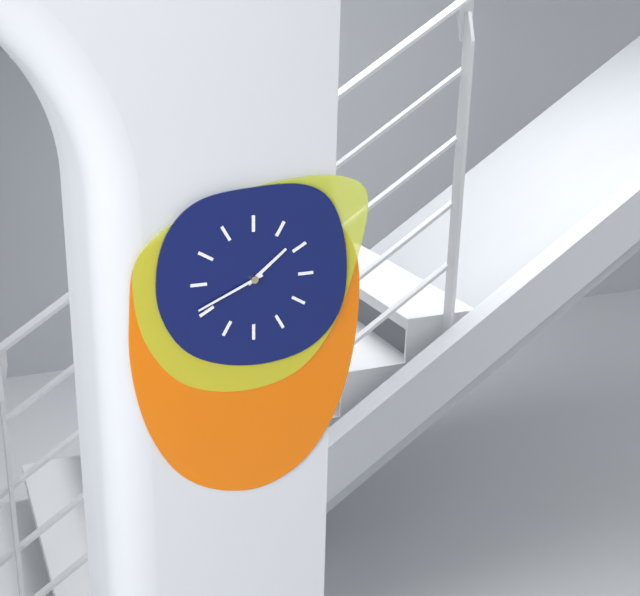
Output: 1h41
